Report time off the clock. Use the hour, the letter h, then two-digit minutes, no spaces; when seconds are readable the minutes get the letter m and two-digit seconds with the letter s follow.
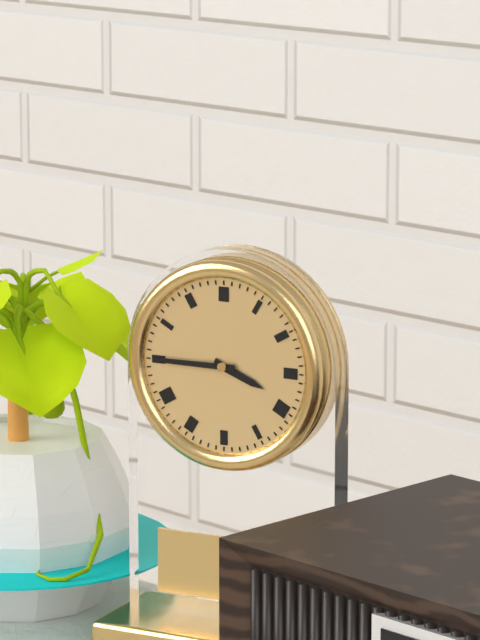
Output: 3h45
